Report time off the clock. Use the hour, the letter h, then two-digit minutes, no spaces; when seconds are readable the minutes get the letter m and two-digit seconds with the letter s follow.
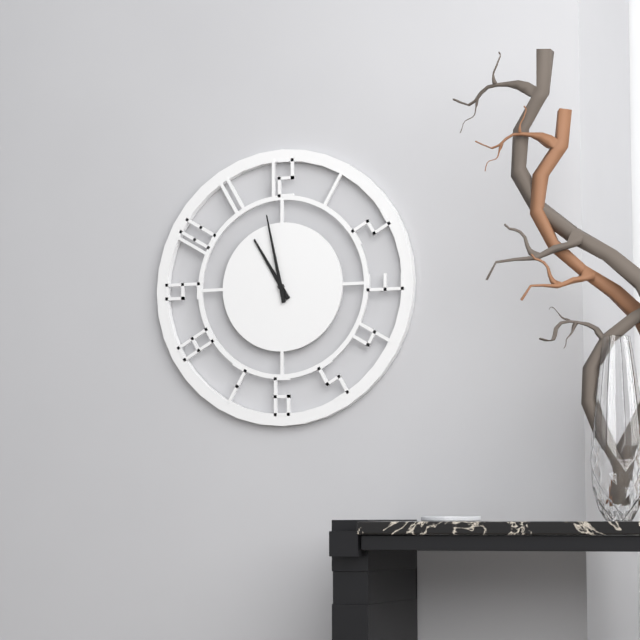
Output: 10h58
